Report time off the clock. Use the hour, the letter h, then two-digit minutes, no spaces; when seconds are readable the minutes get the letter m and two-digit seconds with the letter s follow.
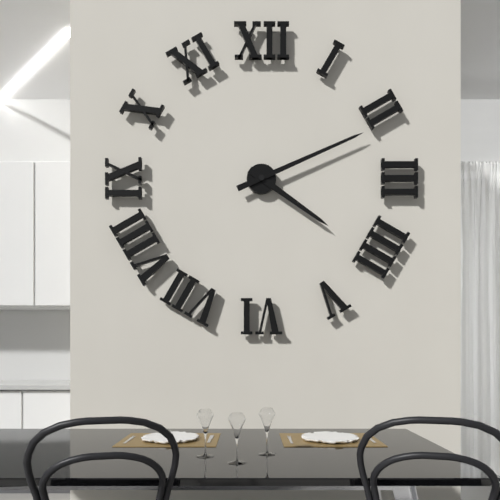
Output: 4h11
